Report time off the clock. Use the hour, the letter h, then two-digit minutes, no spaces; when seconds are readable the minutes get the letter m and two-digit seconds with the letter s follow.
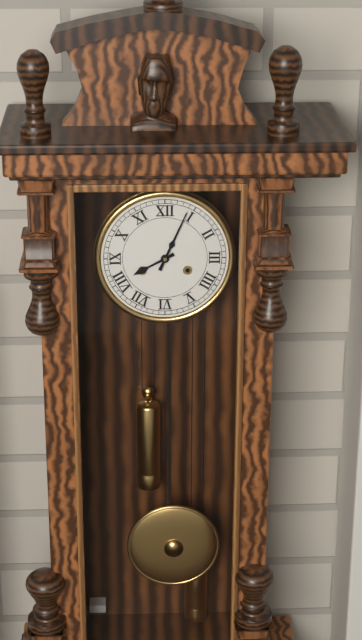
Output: 8h04
